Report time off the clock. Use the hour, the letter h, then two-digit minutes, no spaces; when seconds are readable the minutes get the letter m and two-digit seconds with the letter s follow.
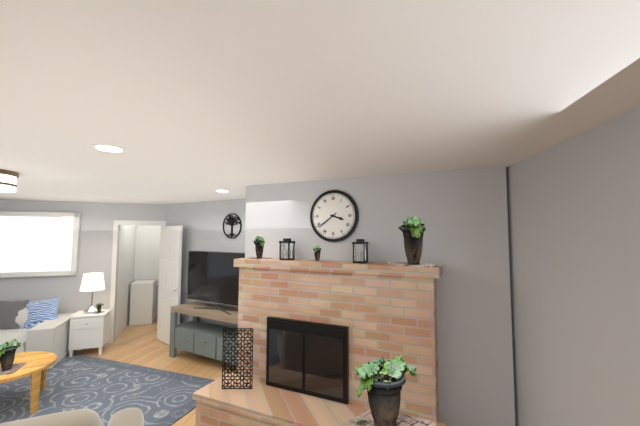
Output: 3h39
